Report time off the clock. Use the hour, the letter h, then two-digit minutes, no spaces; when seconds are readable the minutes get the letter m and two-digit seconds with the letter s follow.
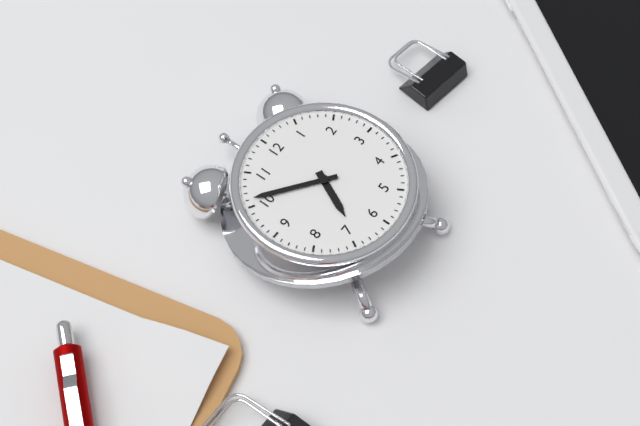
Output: 6h51
